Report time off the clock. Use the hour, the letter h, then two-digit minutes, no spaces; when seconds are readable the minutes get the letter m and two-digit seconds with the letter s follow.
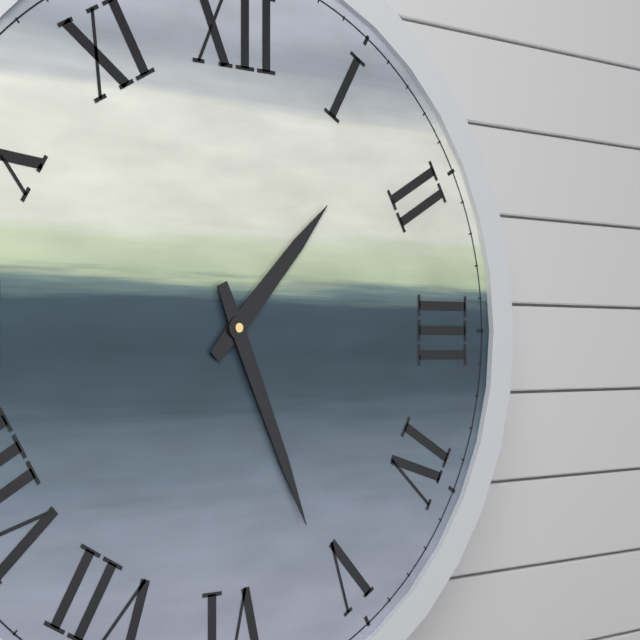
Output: 1h26
